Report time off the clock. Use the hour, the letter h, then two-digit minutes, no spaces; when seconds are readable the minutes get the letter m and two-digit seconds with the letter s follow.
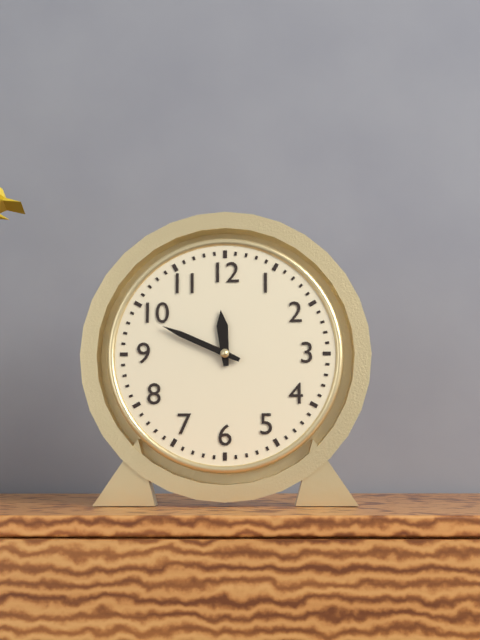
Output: 11h49
